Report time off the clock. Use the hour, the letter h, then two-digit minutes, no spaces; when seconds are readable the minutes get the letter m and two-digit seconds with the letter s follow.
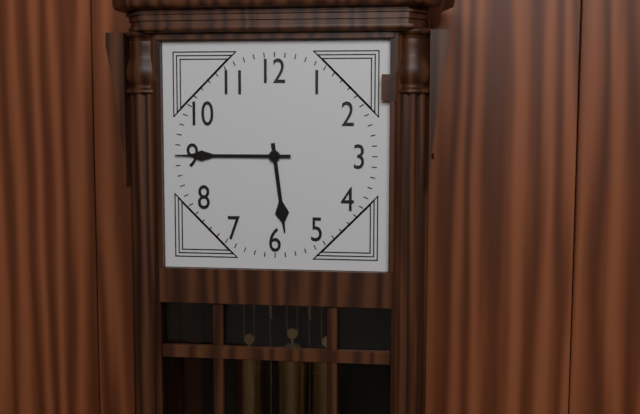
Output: 5h45
